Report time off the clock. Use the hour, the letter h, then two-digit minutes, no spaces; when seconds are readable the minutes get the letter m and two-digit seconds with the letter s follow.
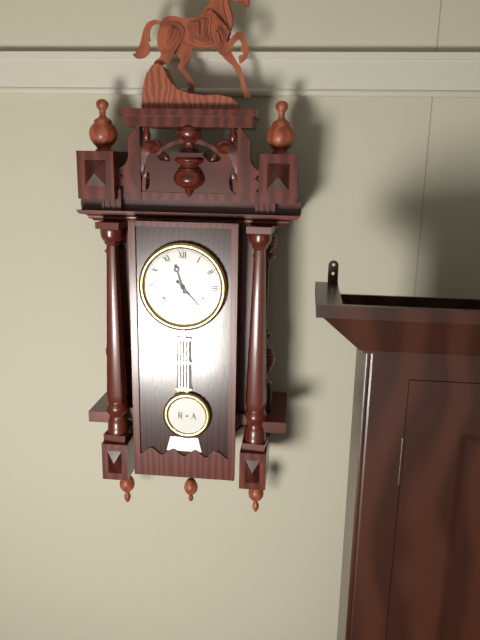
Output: 11h23
